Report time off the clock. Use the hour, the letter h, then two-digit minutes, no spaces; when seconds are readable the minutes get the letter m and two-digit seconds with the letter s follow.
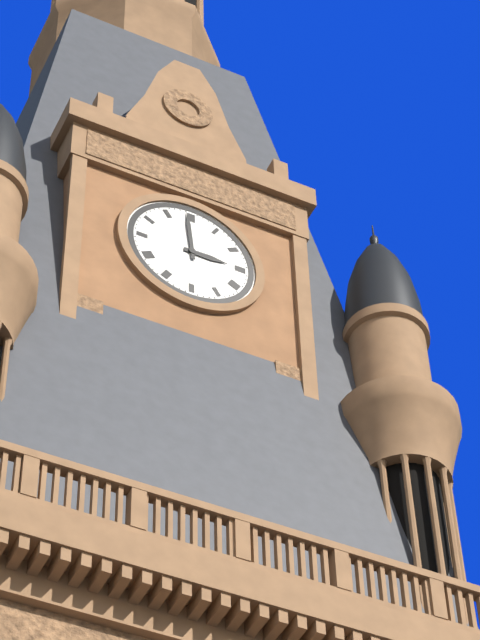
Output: 2h59
